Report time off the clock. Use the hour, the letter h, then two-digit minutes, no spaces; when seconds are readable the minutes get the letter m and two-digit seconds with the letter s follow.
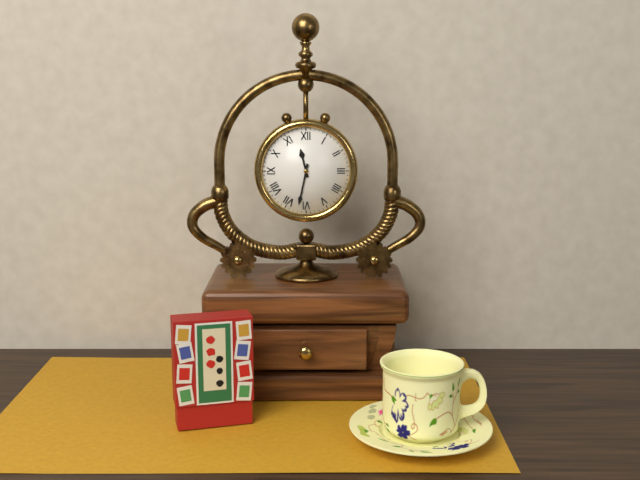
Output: 11h32
